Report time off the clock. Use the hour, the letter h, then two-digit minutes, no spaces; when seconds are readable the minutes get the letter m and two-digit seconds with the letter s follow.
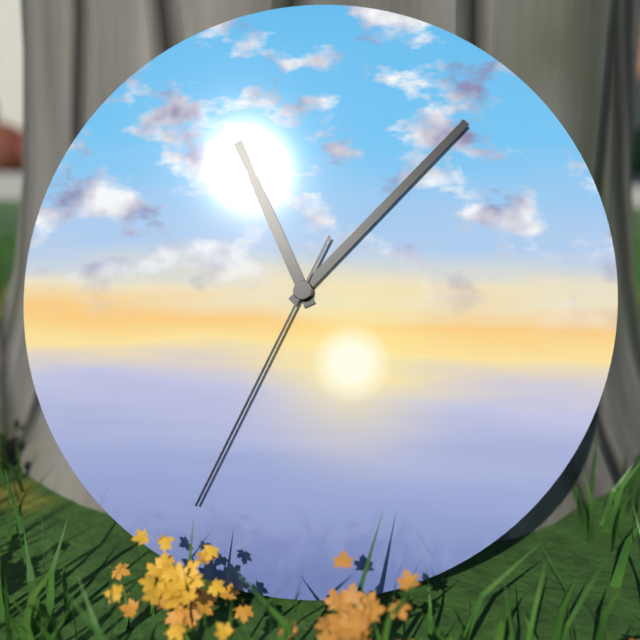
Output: 11h07m34s
